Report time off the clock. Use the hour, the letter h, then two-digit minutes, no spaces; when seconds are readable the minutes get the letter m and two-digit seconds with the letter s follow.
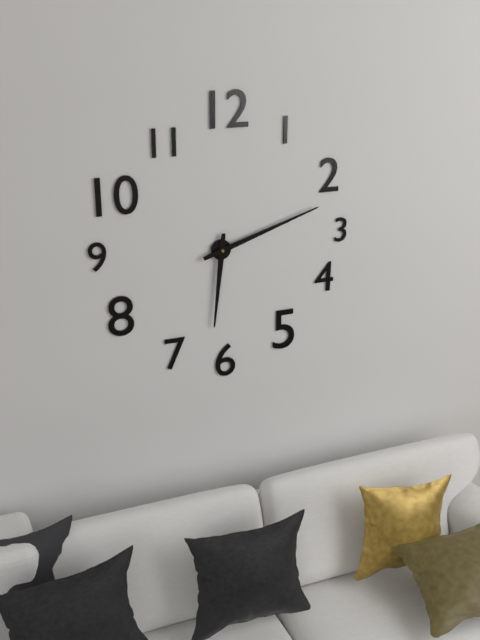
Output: 6h12
